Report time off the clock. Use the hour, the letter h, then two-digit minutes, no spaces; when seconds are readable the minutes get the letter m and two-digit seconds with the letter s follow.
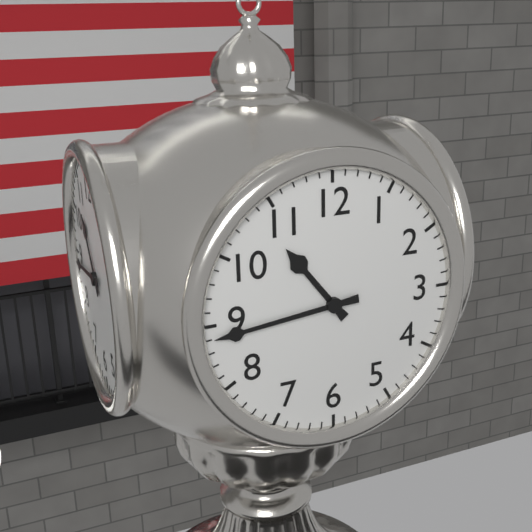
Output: 10h44
